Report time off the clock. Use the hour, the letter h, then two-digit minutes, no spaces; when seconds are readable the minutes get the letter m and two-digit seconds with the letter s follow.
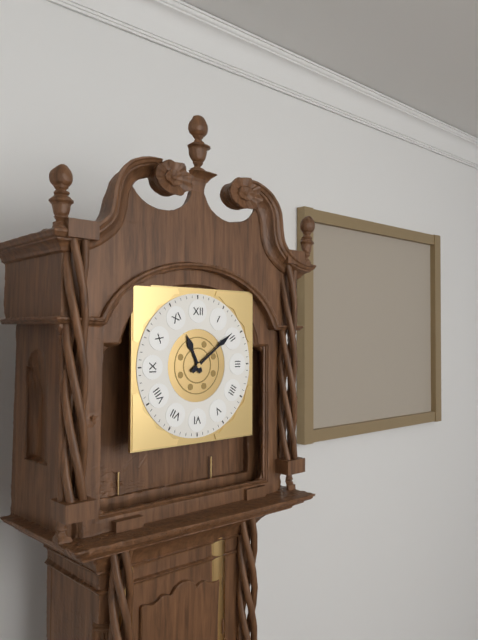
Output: 11h09
